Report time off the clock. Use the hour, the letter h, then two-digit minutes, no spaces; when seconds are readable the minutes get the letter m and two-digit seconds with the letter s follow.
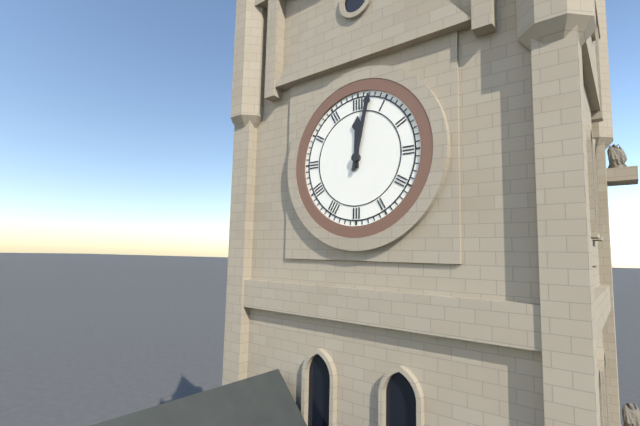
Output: 12h02
